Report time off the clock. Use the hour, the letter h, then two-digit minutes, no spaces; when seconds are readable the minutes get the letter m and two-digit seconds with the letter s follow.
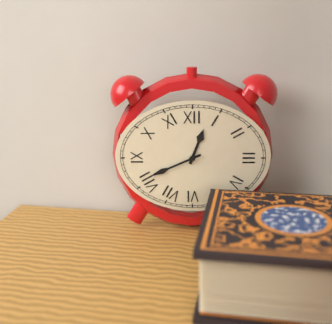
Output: 12h41
